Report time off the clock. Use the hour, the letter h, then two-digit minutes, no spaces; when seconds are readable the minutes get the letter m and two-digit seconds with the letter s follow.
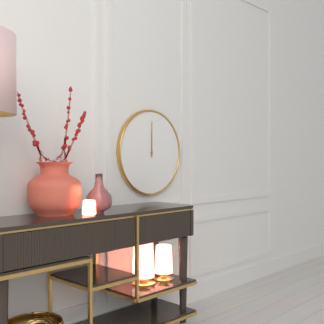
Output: 12h00
